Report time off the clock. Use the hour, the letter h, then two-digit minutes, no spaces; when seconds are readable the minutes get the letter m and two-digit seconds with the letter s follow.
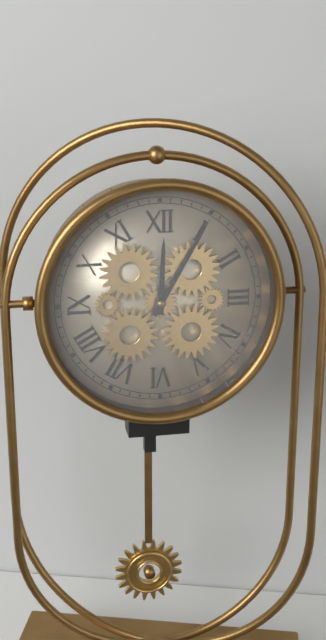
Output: 12h05
